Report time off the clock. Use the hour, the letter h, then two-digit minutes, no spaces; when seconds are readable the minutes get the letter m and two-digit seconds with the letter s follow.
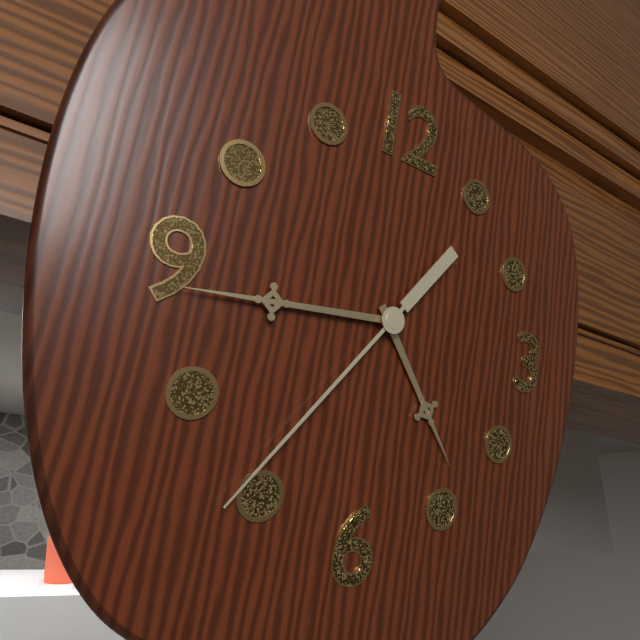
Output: 4h44m36s
